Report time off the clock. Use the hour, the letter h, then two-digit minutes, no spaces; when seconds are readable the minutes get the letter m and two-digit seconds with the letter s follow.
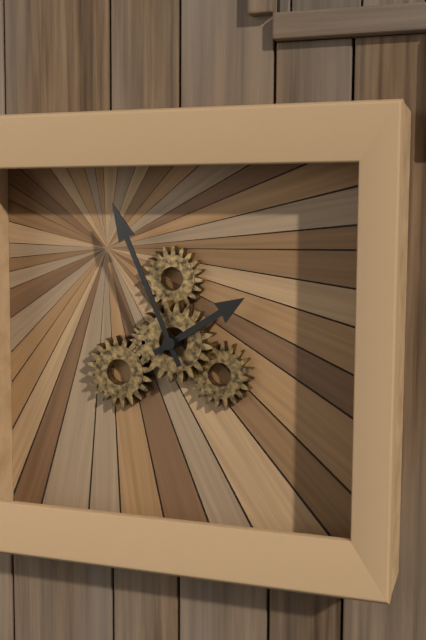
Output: 1h56
